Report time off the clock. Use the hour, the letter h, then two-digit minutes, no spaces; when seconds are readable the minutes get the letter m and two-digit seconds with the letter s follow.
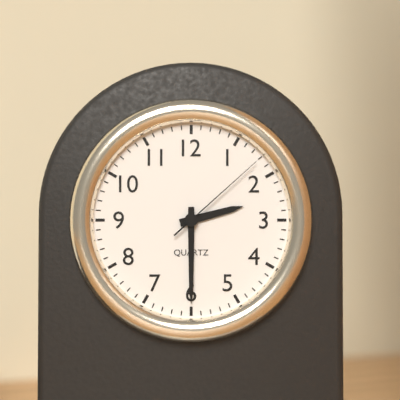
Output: 2h30m08s
